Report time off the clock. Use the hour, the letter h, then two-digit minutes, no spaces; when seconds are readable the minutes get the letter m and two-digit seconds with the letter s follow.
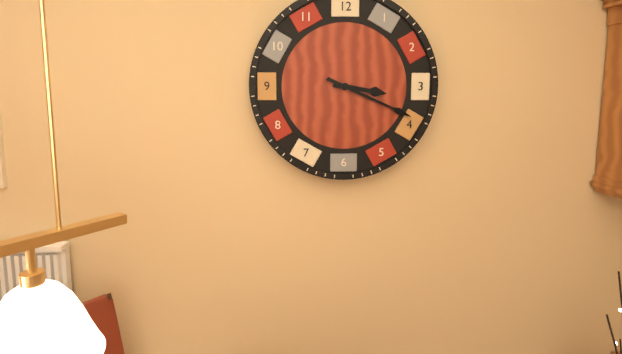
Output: 3h19
